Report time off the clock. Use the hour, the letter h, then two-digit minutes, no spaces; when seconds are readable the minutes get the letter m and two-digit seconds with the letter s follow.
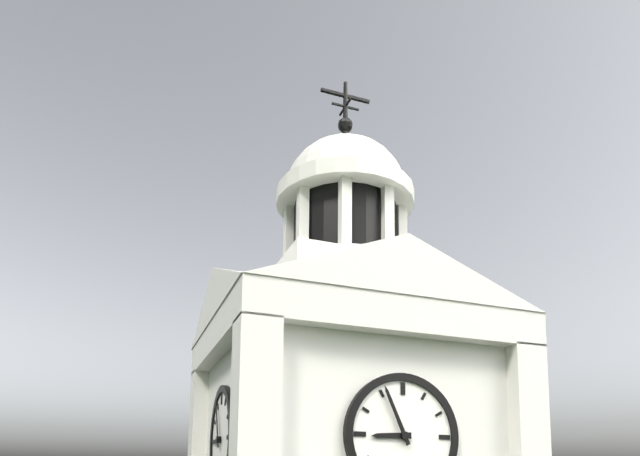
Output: 8h56
